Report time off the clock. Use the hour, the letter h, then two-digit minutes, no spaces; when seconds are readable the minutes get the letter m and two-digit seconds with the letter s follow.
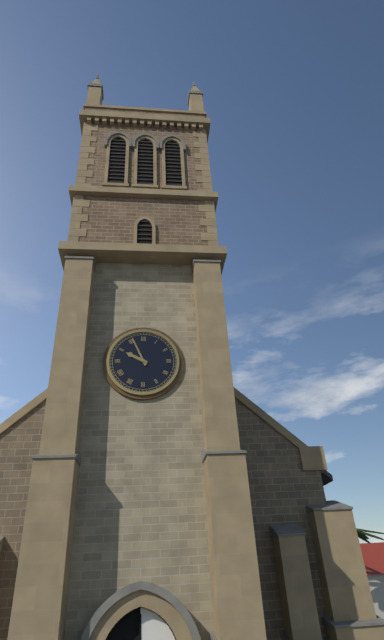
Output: 9h56
